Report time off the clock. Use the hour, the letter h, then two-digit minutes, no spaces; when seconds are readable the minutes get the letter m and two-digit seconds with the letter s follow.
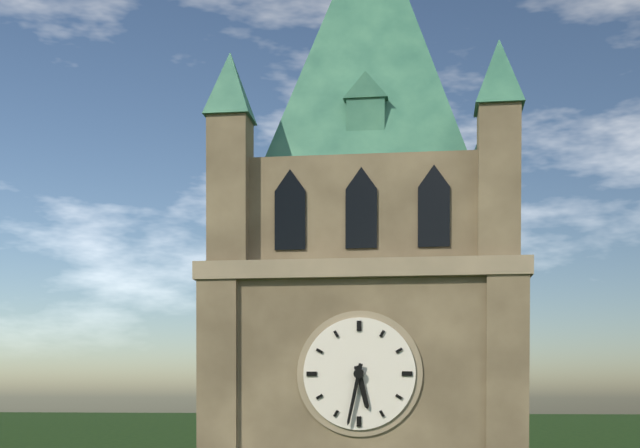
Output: 5h32
